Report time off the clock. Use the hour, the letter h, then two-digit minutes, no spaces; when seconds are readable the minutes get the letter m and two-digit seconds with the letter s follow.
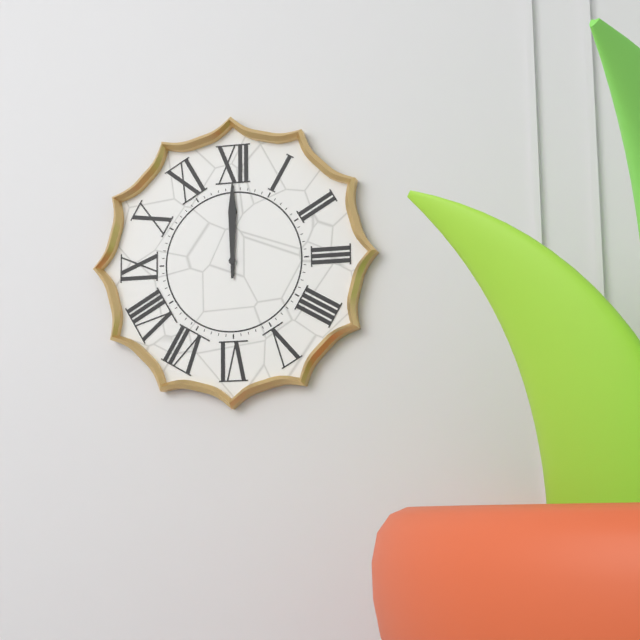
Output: 12h00
